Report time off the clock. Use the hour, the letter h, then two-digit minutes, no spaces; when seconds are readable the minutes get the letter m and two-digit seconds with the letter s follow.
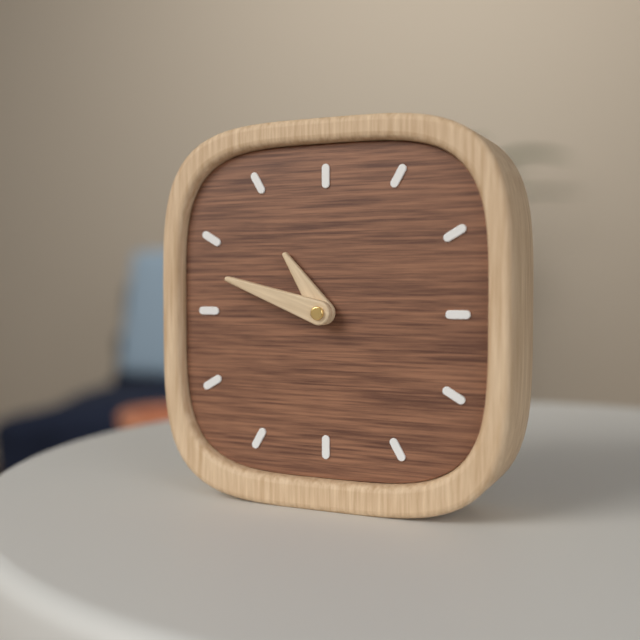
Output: 10h48
